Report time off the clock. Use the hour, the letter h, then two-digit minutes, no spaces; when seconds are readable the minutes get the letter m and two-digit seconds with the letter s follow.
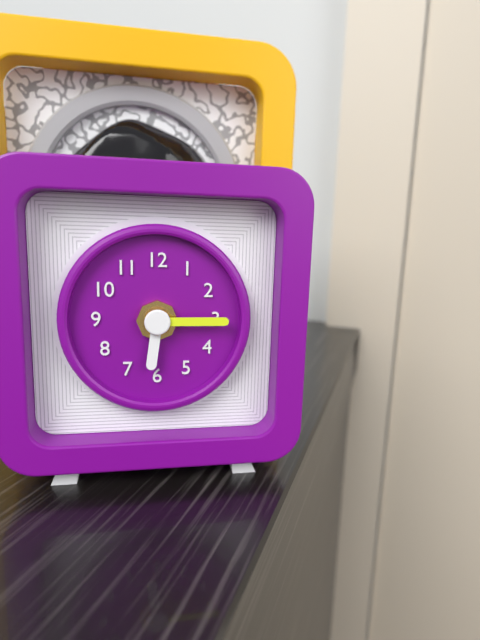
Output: 6h15
